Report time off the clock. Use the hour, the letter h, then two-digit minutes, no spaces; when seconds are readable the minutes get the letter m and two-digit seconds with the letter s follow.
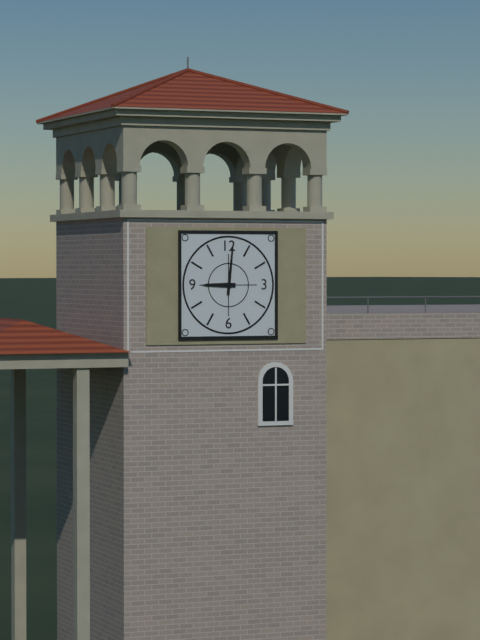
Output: 9h01
